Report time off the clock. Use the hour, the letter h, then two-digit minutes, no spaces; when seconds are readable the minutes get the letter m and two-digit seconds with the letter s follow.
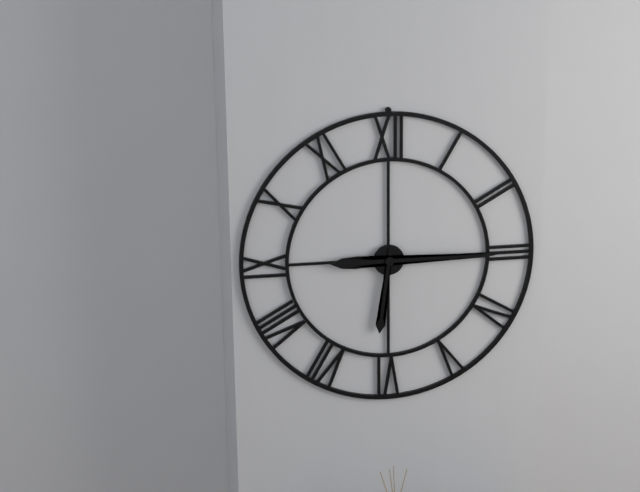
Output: 6h15
